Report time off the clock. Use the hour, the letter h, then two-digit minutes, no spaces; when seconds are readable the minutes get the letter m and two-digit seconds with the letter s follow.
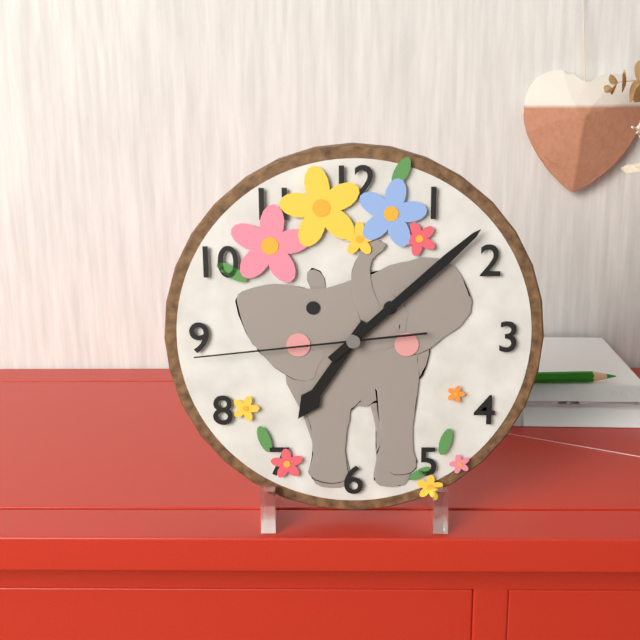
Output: 7h08m44s
